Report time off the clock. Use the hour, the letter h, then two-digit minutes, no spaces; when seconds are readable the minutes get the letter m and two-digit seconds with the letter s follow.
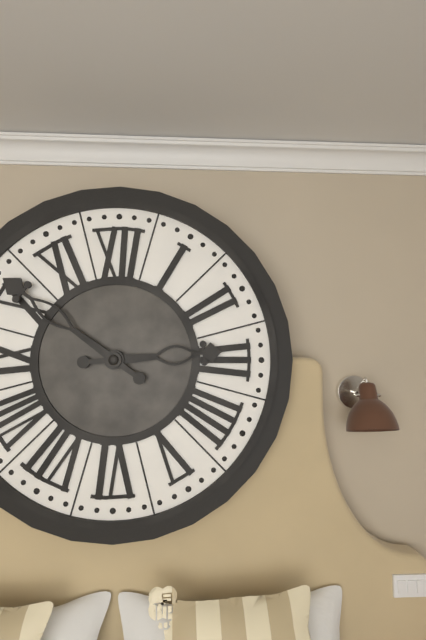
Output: 2h51
